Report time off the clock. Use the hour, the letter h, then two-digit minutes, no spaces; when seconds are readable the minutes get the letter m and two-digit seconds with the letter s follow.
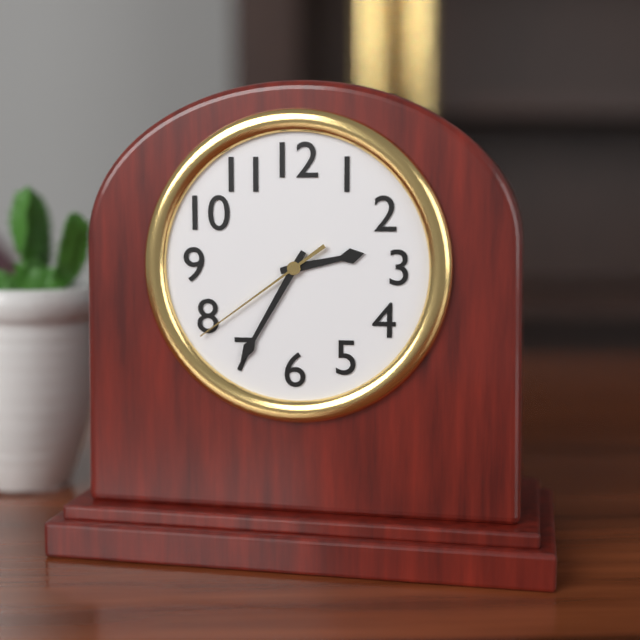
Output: 2h35m39s
